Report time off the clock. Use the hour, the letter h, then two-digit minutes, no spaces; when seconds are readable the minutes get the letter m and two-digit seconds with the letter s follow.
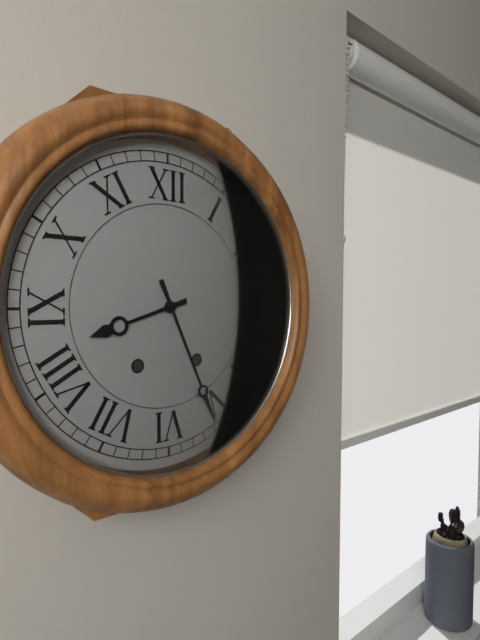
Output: 8h26
